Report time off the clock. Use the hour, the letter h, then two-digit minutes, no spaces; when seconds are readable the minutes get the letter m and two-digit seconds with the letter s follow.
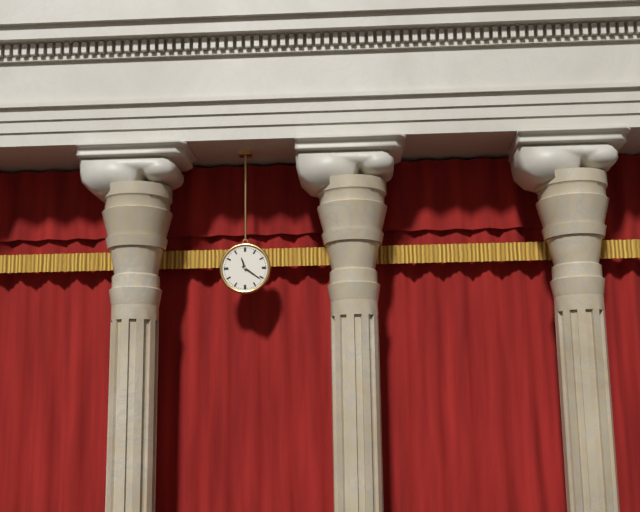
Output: 11h21
